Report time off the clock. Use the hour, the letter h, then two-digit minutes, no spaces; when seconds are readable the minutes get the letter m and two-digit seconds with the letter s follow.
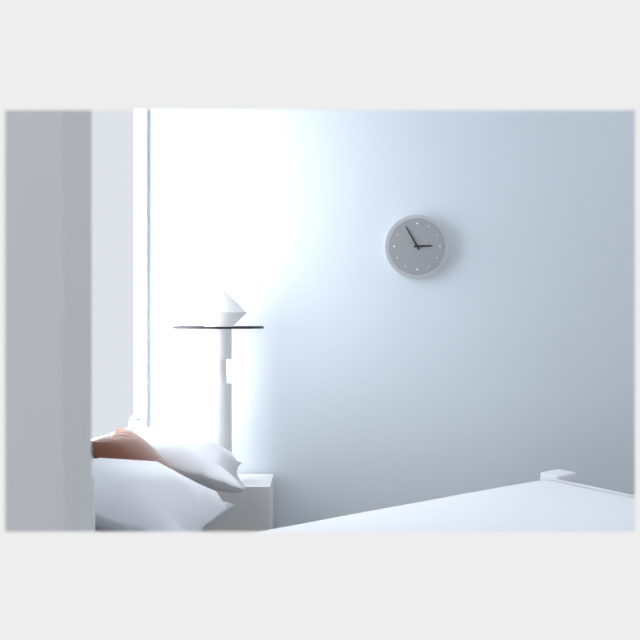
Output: 2h55
